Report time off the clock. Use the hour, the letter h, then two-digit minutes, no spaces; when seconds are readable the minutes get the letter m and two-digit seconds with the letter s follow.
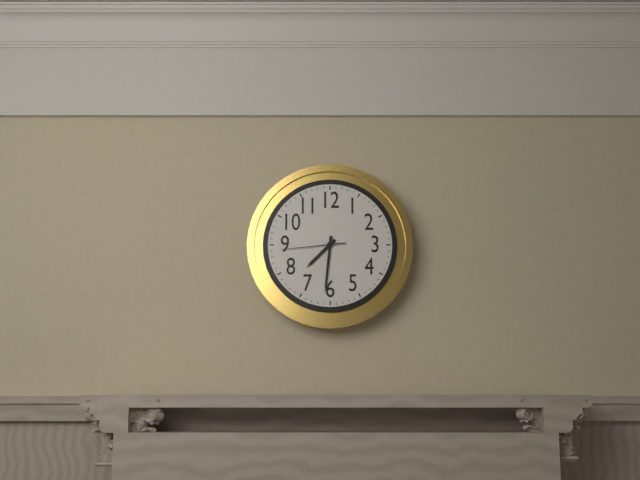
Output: 7h31m44s
